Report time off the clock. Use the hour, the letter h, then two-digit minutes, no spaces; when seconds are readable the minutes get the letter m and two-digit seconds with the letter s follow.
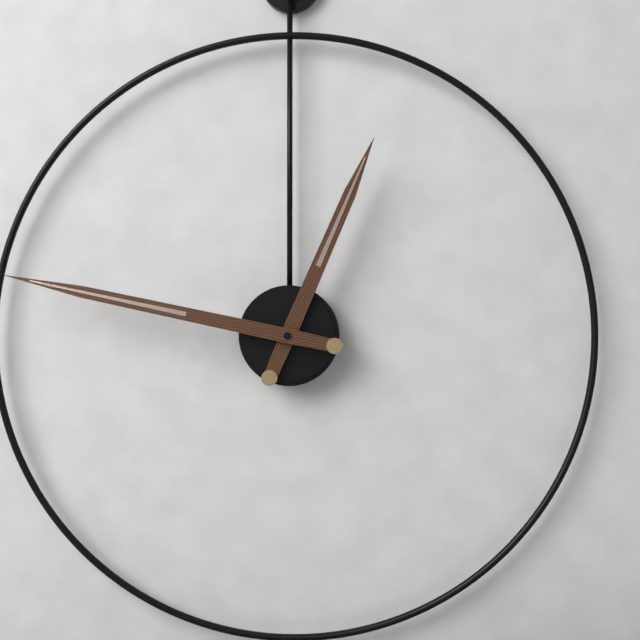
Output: 12h47
